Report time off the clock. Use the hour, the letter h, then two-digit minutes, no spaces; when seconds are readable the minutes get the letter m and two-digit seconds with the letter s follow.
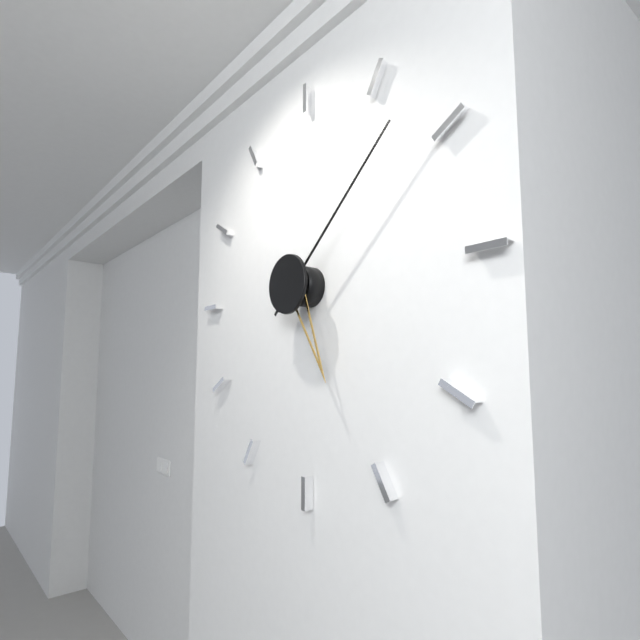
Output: 5h08
